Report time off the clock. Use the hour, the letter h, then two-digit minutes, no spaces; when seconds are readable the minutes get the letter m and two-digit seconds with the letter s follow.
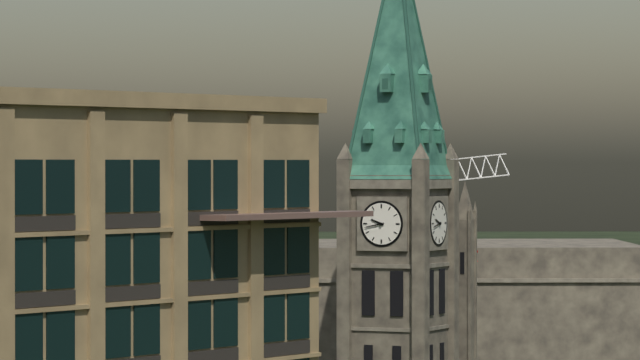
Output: 9h43
